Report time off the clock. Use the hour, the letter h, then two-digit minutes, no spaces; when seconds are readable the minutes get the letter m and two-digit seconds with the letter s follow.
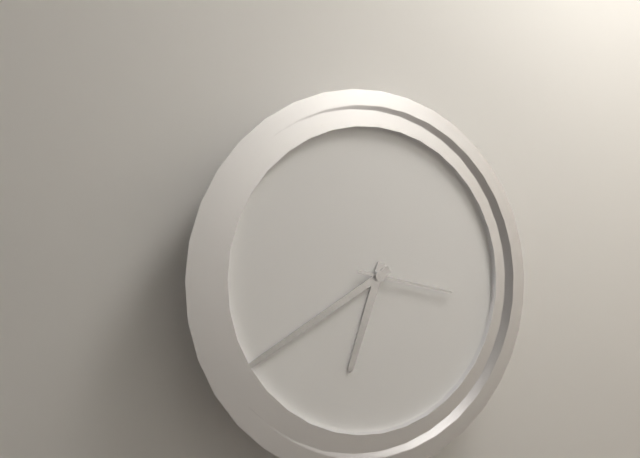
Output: 6h40m17s
